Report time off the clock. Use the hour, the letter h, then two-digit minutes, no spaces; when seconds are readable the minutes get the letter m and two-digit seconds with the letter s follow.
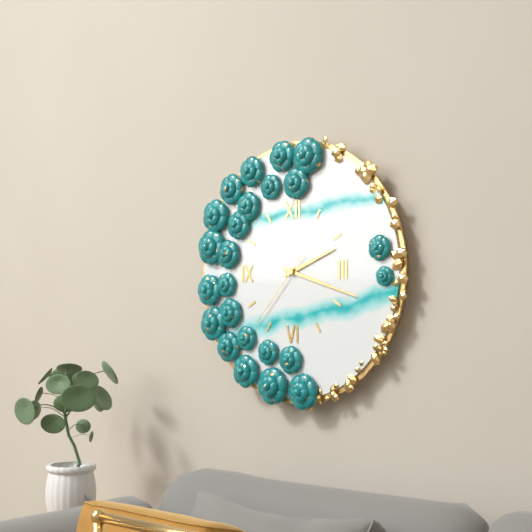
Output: 2h18m37s
